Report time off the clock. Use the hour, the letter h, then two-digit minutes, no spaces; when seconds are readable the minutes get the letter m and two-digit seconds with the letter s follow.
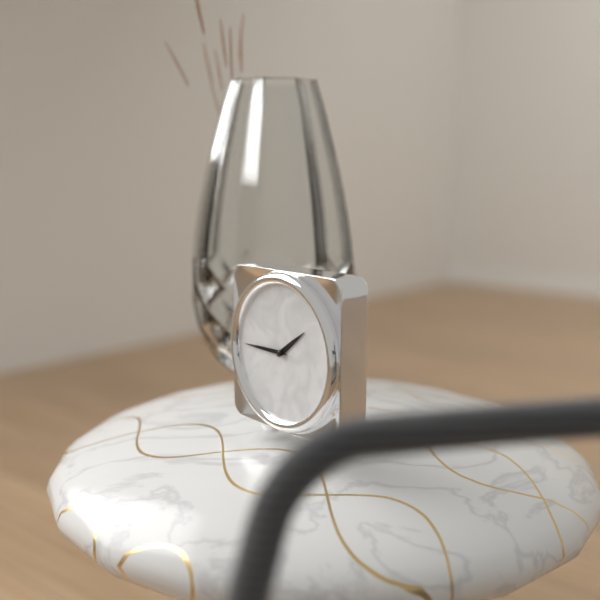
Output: 1h45
